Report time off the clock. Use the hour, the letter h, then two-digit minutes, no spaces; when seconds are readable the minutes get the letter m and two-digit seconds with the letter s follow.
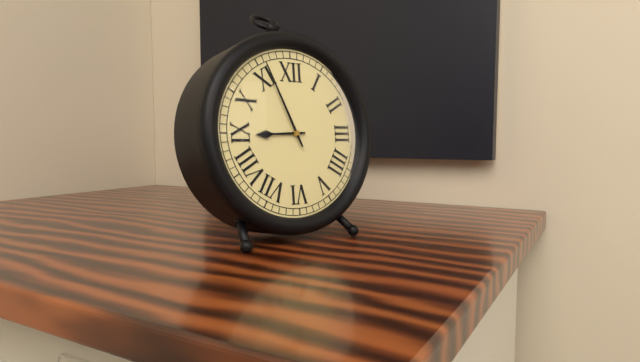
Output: 8h56
